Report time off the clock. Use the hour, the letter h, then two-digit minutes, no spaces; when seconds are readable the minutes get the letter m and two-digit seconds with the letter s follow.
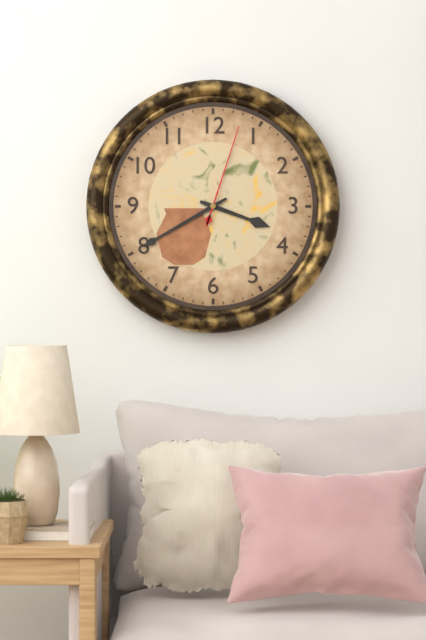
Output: 3h40m03s
